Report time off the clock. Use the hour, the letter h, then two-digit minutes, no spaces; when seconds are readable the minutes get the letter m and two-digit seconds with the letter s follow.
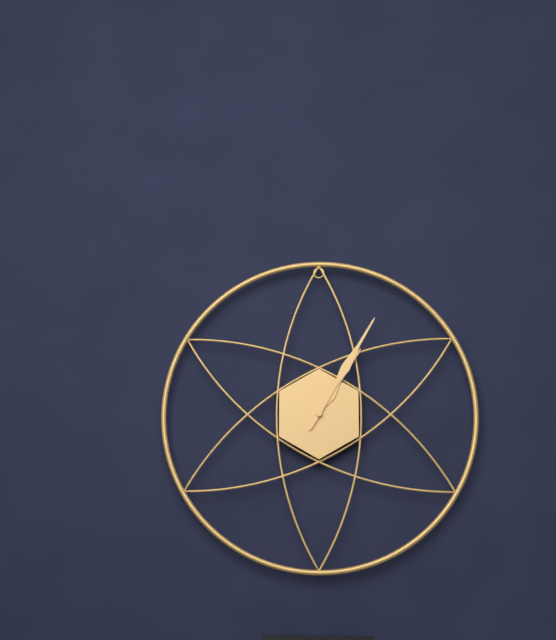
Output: 1h05
